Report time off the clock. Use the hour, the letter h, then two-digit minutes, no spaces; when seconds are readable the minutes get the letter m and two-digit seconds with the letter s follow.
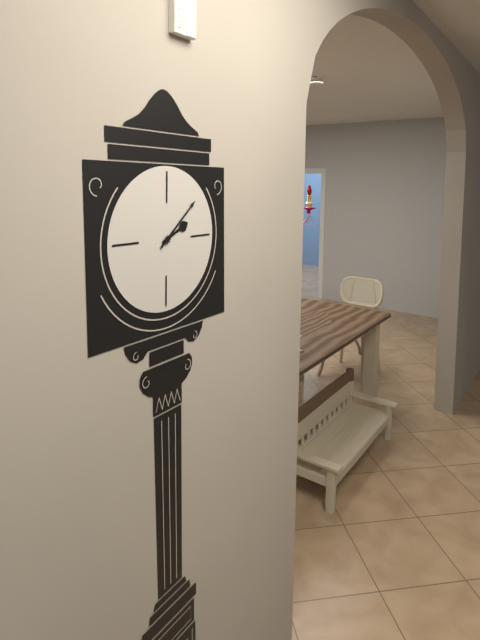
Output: 2h08
